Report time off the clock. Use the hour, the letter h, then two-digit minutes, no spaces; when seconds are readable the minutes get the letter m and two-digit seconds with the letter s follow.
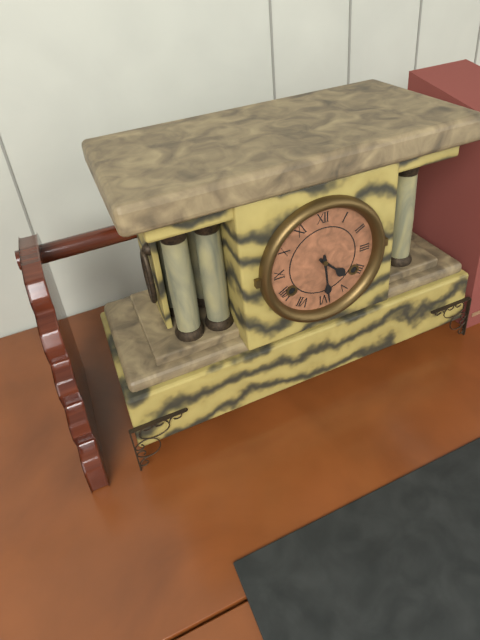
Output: 4h29
